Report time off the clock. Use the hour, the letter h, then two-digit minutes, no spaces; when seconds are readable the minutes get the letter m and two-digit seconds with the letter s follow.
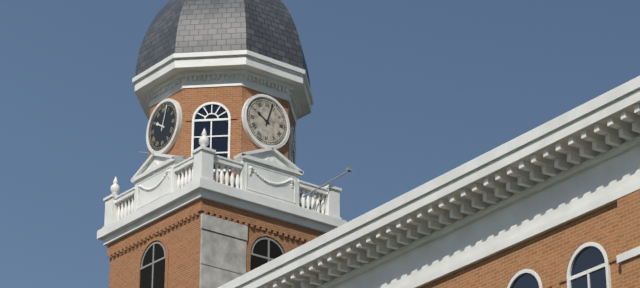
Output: 10h03
